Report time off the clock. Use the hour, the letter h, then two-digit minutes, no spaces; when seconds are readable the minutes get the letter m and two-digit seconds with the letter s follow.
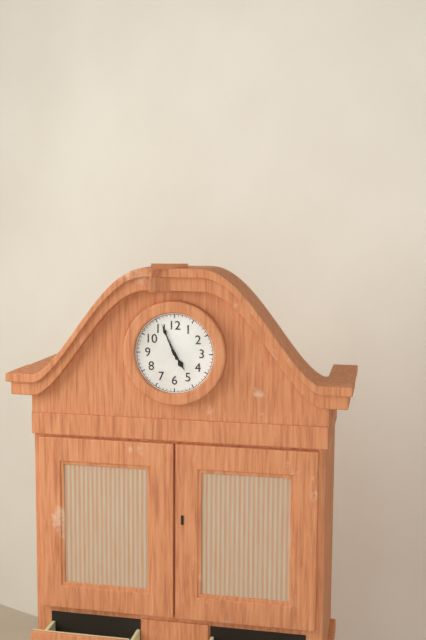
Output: 4h56
